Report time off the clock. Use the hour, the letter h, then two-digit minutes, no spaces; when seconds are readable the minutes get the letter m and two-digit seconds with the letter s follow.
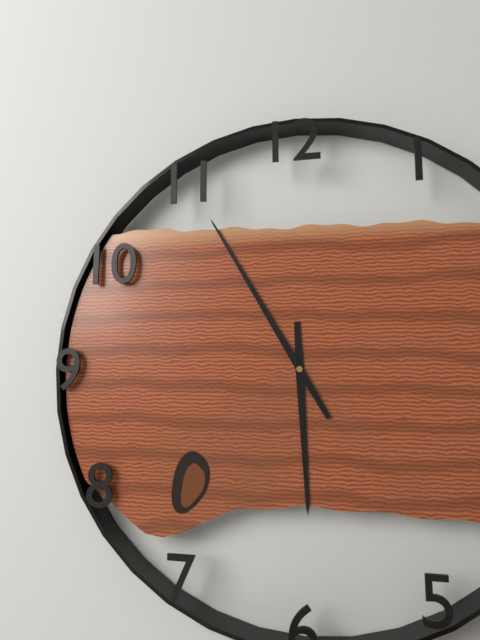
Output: 5h55
